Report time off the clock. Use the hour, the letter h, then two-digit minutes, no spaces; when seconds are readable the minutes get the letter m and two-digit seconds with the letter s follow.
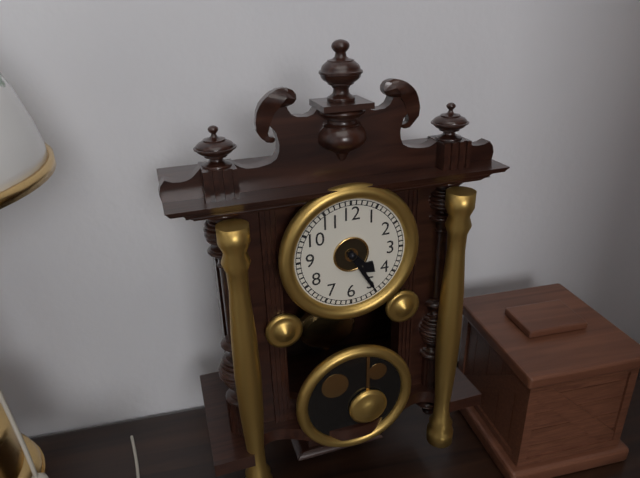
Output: 4h25
